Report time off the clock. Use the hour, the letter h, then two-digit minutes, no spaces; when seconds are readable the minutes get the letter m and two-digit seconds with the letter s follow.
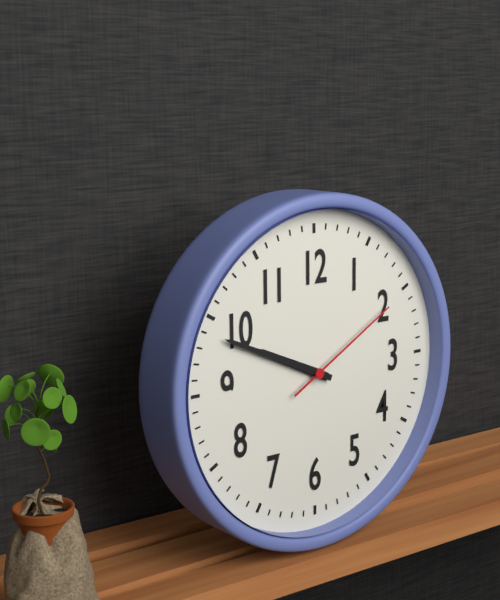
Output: 9h49m10s
